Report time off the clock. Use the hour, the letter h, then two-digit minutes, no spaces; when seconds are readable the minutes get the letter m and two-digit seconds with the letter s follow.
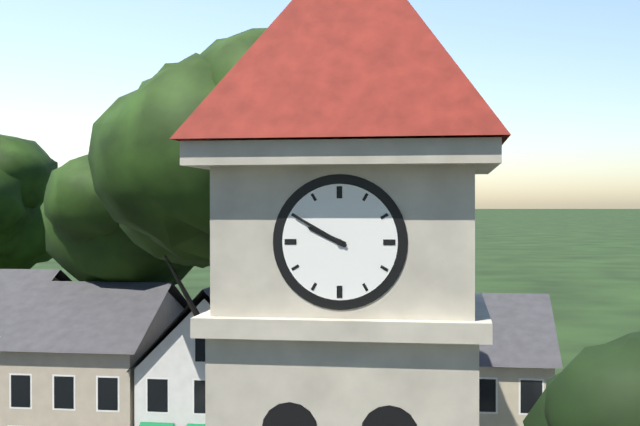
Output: 9h50
